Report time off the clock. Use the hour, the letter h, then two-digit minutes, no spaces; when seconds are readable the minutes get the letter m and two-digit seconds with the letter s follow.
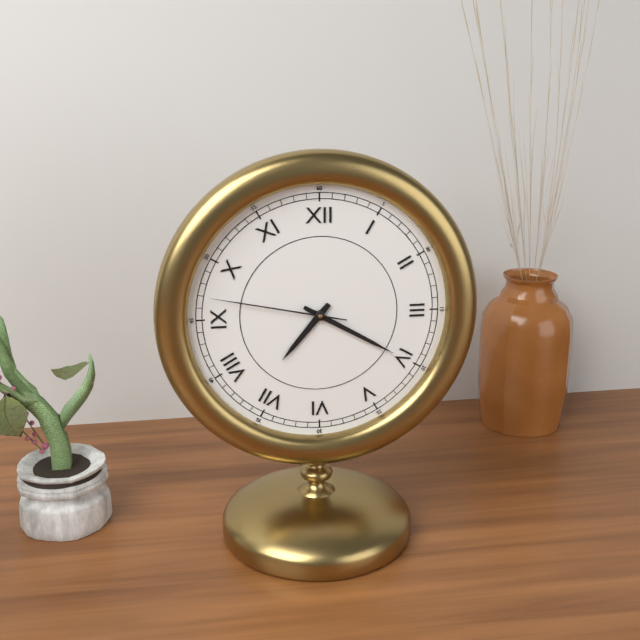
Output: 7h20m47s
